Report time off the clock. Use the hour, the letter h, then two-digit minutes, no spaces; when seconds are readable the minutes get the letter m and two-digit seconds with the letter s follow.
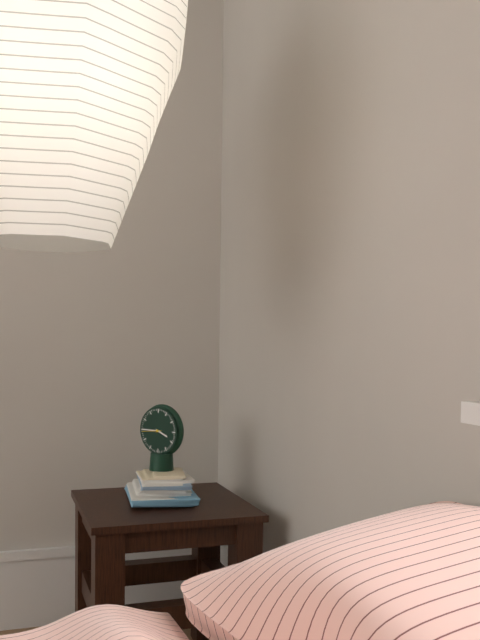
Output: 3h45
